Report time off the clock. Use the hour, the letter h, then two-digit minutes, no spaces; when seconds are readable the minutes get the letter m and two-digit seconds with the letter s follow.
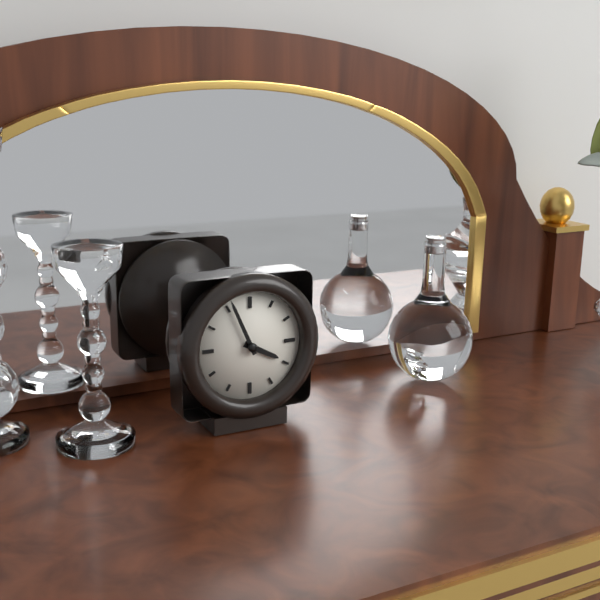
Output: 3h56
